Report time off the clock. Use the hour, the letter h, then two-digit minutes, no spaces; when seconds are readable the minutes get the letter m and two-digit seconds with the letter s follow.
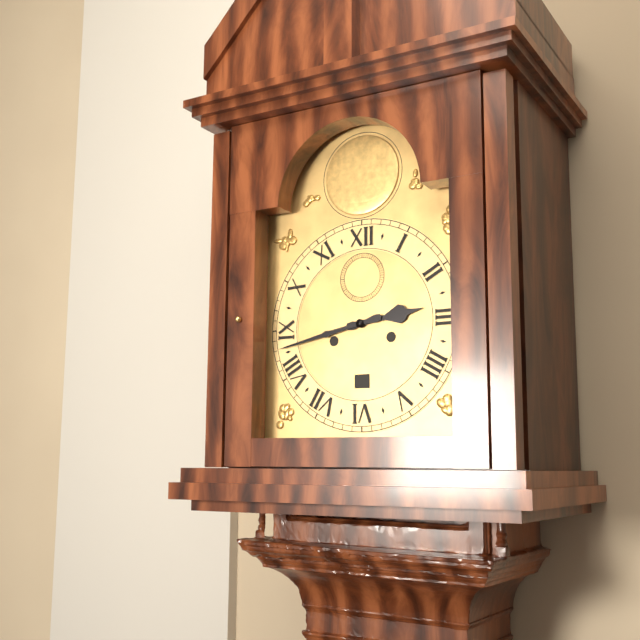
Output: 2h43
